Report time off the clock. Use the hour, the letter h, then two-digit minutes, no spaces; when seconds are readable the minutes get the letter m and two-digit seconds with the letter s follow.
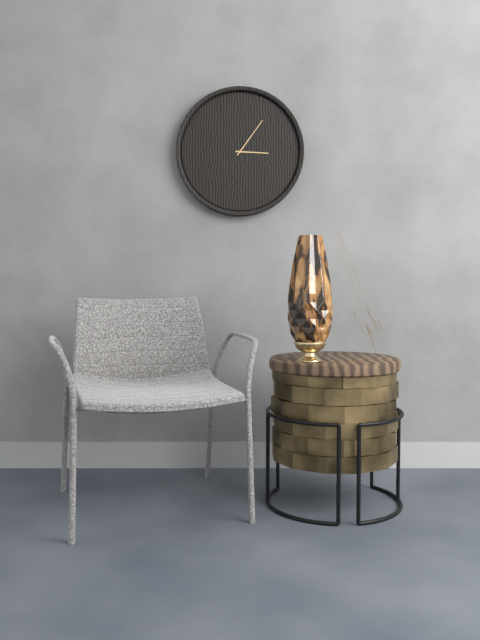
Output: 3h06
